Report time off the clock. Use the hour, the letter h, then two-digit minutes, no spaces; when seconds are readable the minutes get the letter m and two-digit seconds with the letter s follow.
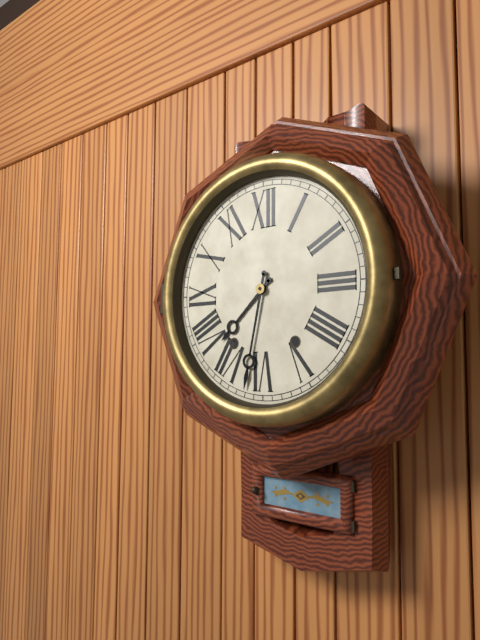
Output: 7h32
